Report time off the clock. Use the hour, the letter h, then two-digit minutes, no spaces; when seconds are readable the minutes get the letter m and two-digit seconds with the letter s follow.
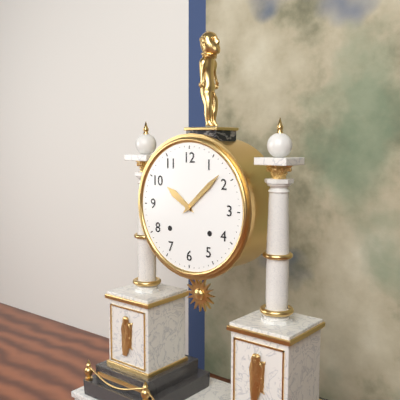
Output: 10h08
